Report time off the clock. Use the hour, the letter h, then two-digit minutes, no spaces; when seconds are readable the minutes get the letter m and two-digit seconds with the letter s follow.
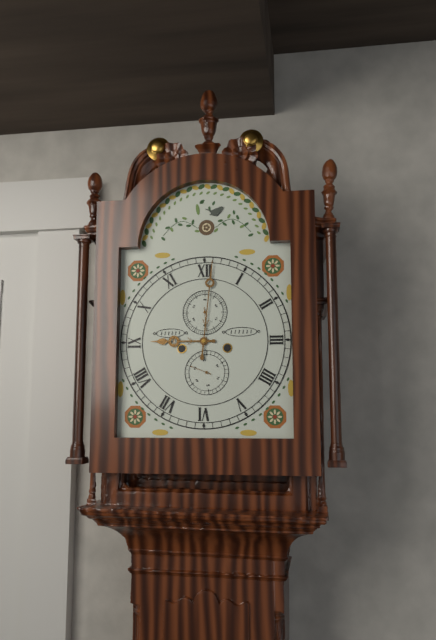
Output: 9h01
